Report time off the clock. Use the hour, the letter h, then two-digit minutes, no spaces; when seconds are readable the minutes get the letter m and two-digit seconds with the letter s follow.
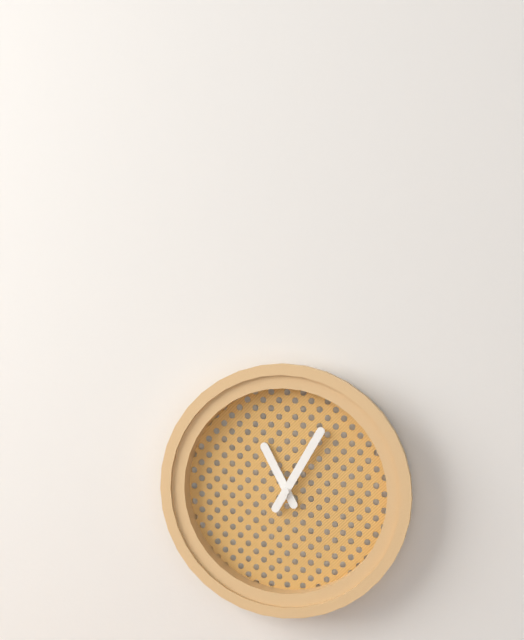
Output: 11h05
